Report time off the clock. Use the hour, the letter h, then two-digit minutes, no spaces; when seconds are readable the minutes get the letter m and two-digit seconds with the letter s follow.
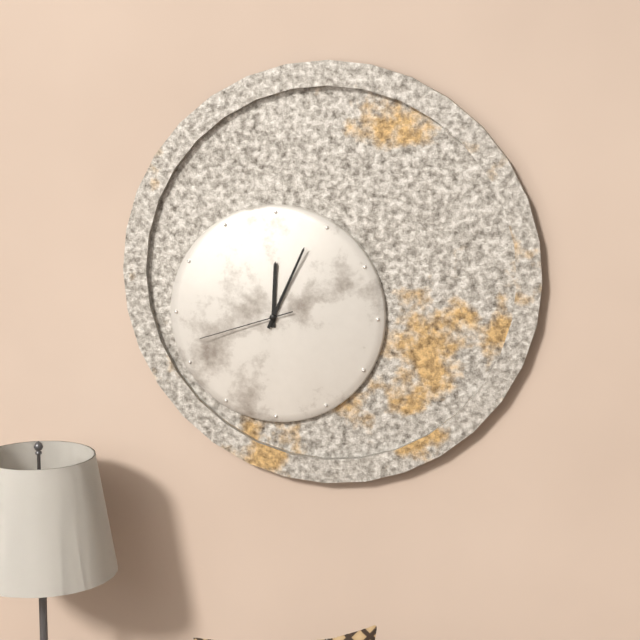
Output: 12h04m42s
